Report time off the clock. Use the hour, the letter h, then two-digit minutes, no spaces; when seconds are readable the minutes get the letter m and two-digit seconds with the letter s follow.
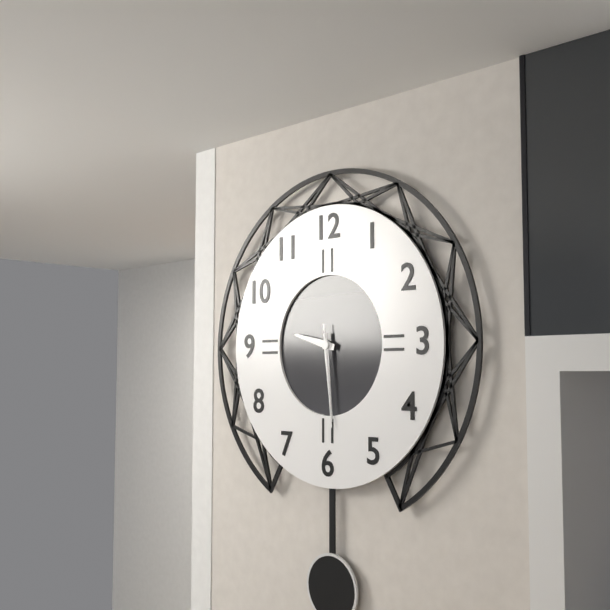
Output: 9h29m29s
